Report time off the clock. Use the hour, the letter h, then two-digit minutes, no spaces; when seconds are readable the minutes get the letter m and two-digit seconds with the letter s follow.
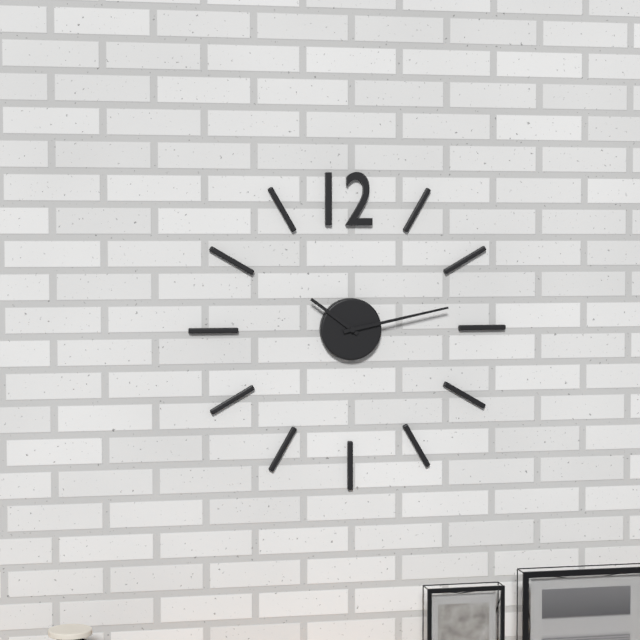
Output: 10h13
